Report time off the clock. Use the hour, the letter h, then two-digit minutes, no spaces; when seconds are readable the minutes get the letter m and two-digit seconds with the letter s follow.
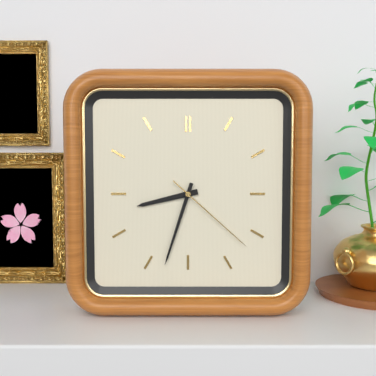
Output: 8h33m22s
